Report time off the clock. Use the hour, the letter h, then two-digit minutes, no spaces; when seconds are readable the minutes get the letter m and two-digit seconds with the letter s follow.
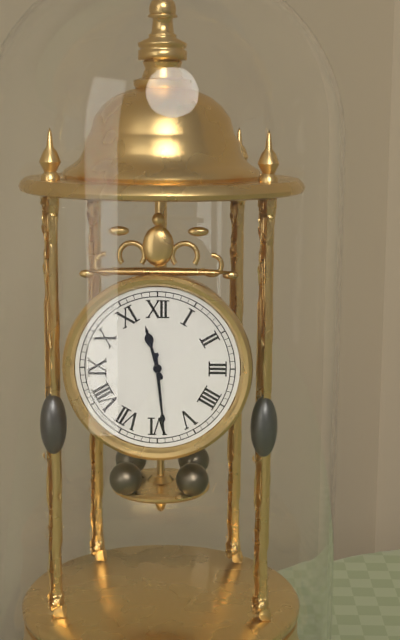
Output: 11h29
